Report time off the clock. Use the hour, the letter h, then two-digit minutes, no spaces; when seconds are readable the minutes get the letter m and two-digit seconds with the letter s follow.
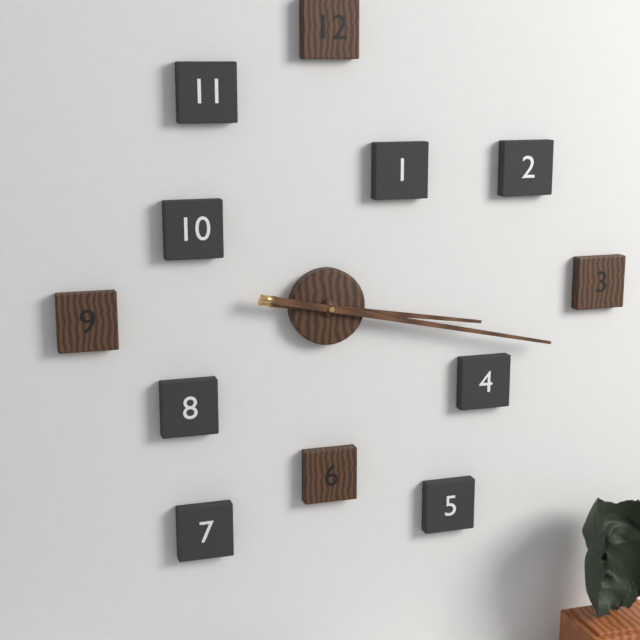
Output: 3h17
